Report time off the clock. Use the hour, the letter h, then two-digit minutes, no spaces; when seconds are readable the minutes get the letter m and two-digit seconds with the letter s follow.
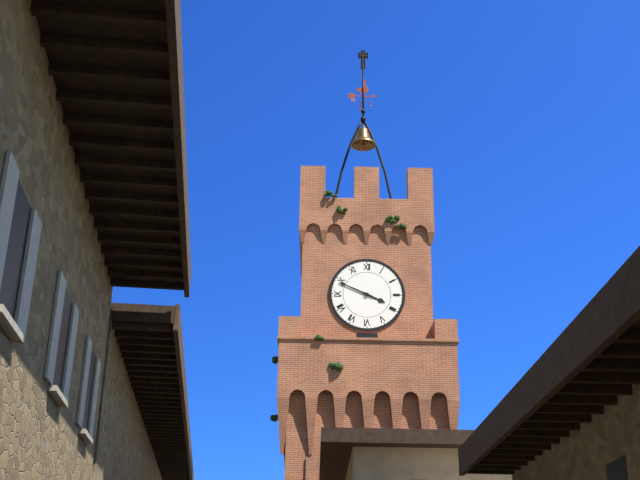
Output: 3h49
